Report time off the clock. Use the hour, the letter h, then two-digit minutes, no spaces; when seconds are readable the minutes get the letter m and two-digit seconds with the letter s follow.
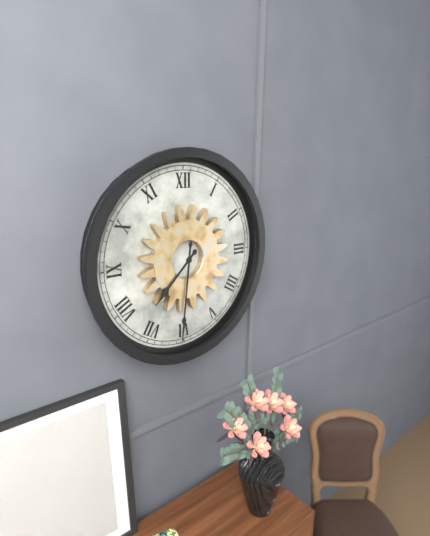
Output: 7h31
